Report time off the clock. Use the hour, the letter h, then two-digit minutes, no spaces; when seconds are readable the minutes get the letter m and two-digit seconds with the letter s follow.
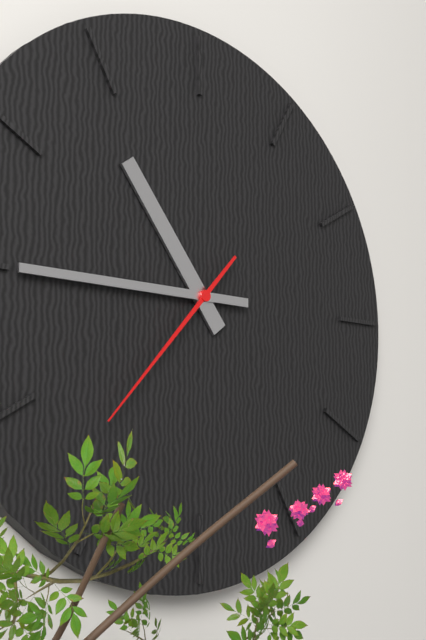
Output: 10h45m37s
